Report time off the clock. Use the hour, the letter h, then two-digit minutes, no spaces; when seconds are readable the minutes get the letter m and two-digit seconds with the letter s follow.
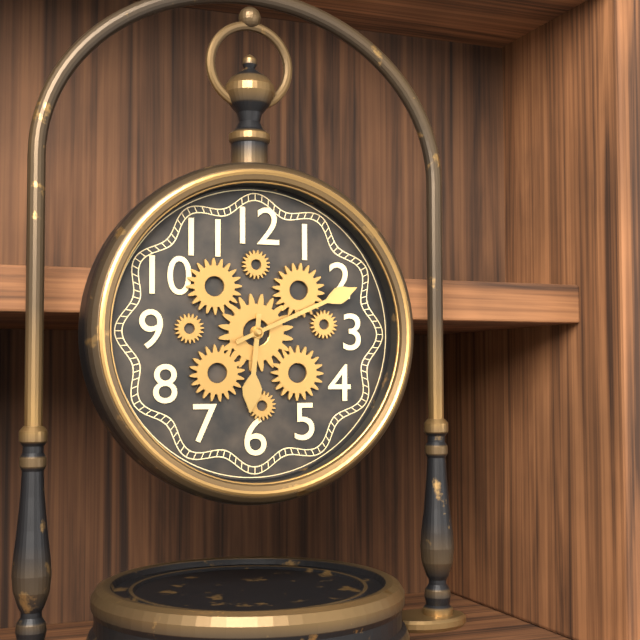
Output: 6h11
